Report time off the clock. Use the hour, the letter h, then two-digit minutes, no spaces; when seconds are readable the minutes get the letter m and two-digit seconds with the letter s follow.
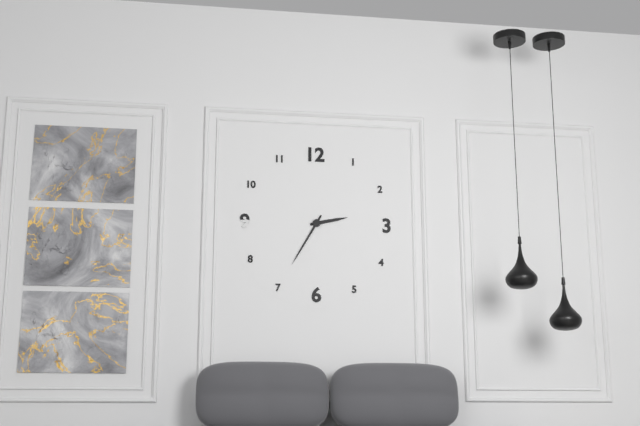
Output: 2h35
